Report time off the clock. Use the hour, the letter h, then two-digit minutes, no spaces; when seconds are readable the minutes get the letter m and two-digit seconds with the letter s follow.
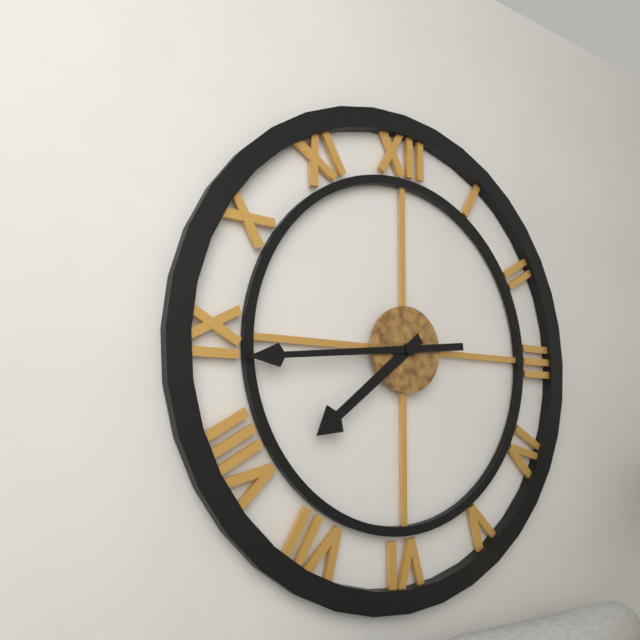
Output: 7h44
